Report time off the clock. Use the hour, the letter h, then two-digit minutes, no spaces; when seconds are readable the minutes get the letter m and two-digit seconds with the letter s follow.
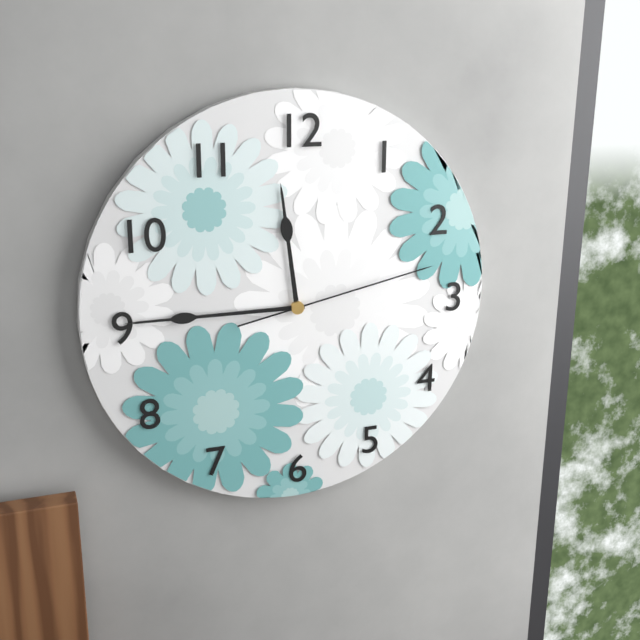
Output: 11h45m13s
